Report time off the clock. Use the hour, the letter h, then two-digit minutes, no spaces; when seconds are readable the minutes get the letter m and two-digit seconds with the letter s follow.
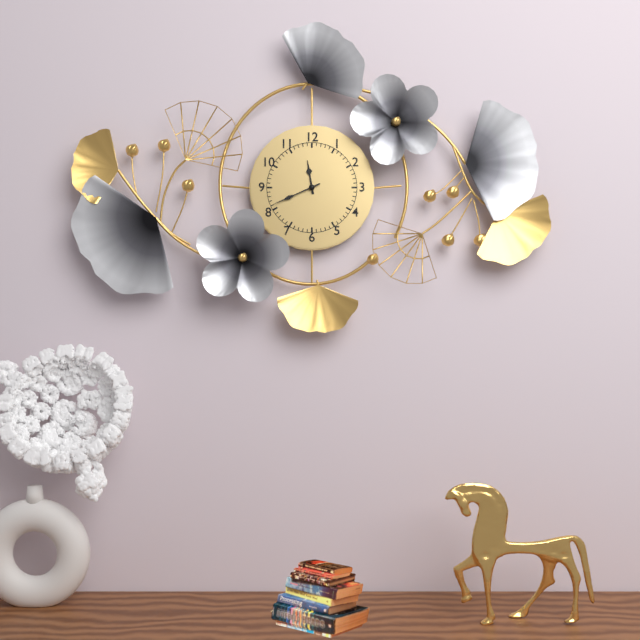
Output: 11h41
